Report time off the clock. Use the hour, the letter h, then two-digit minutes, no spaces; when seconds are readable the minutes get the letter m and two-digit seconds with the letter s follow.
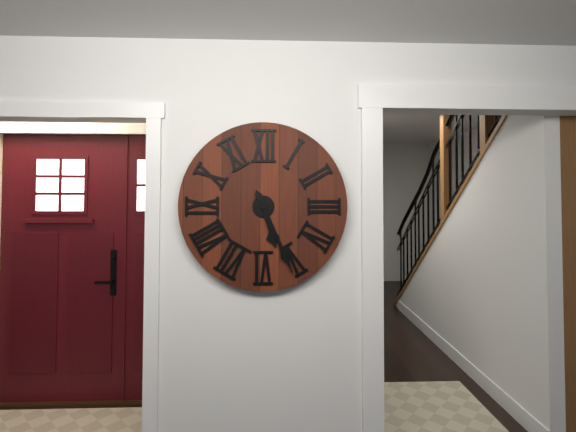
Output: 5h26
